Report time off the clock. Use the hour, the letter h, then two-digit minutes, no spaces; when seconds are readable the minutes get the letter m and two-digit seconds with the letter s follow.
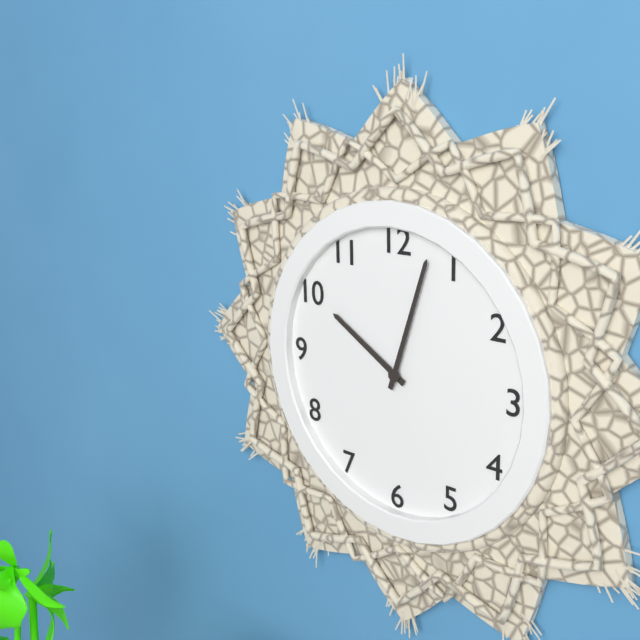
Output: 10h03
